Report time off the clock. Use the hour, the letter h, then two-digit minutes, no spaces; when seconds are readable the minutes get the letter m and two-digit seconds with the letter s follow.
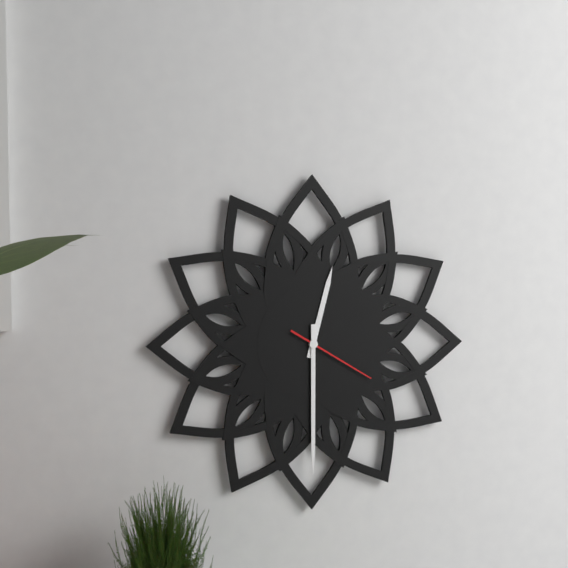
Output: 12h30m20s
